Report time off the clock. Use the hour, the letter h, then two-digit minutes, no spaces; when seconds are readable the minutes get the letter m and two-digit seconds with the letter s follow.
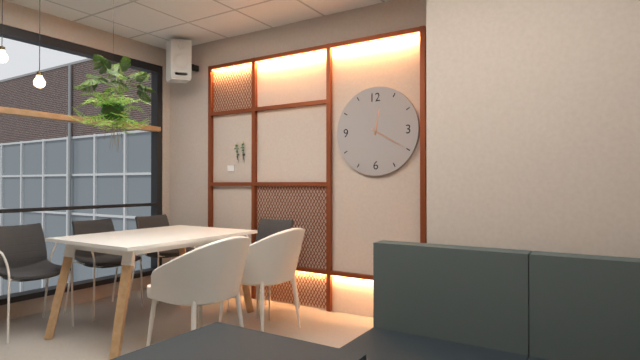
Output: 12h20
